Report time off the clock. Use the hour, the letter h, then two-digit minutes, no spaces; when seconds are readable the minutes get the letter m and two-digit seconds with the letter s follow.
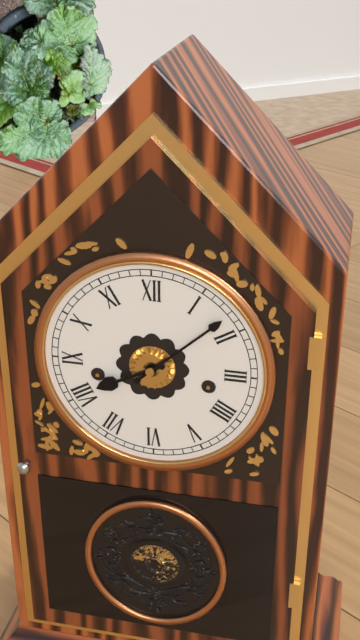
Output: 8h08
